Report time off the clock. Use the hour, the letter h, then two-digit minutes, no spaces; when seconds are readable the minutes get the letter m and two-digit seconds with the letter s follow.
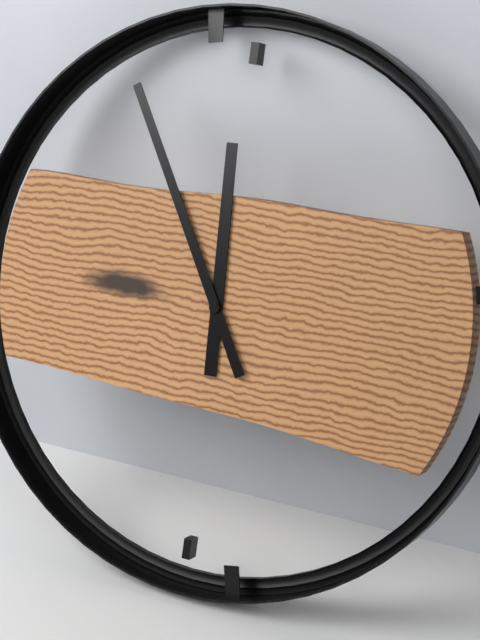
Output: 11h55
